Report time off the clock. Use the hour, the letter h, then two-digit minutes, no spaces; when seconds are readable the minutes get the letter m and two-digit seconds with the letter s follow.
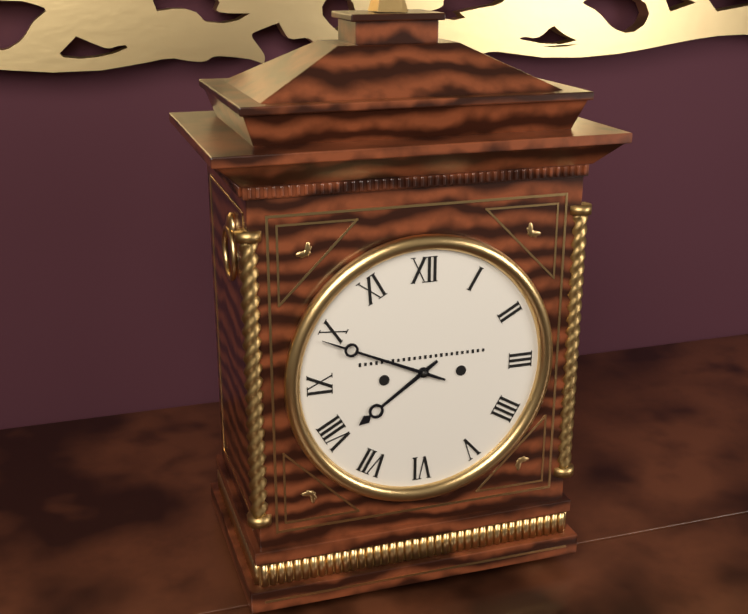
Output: 7h49
